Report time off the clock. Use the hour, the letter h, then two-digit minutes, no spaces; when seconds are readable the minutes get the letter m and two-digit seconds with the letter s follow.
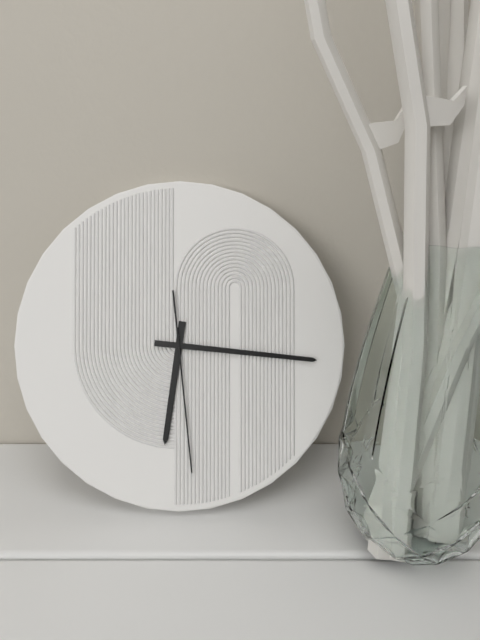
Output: 6h16m29s
